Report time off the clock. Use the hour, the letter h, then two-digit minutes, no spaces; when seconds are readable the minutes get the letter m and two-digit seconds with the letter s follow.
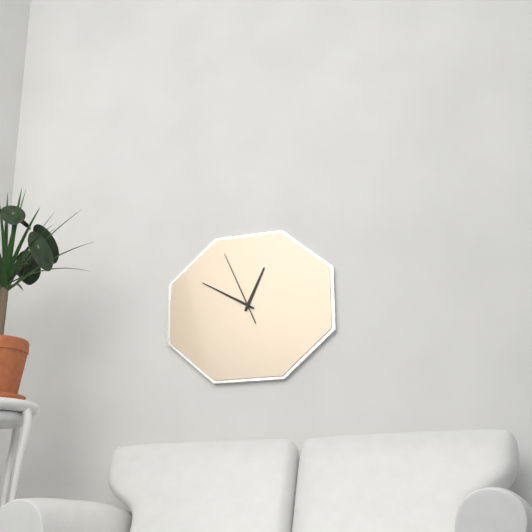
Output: 12h50m56s
